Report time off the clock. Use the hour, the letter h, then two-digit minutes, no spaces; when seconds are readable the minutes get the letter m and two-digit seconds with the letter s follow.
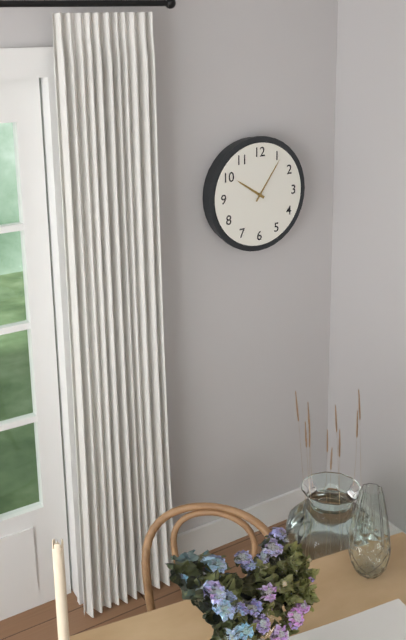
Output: 10h06
